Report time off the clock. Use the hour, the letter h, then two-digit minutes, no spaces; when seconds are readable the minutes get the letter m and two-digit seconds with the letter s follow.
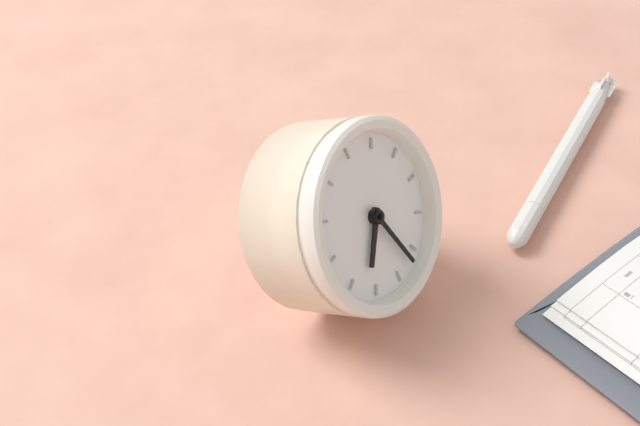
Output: 6h22
